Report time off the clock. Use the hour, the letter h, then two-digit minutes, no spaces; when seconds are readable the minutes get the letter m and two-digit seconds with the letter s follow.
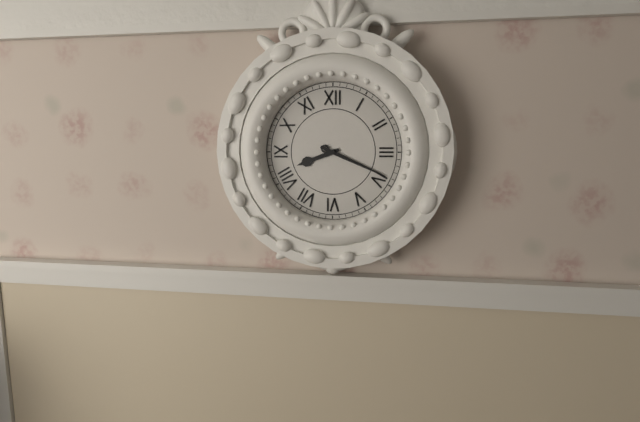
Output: 8h19
